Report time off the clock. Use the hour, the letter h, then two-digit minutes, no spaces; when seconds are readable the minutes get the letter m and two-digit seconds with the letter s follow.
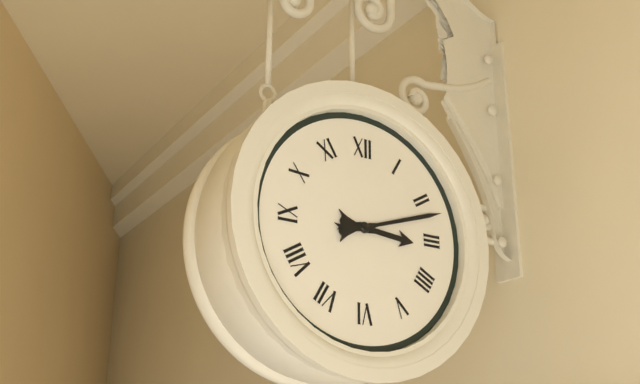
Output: 3h12
